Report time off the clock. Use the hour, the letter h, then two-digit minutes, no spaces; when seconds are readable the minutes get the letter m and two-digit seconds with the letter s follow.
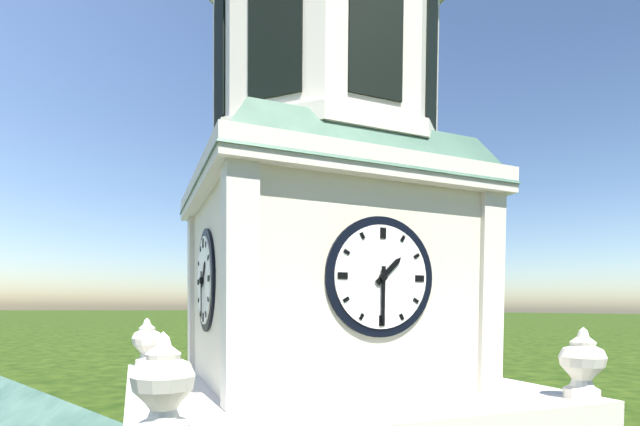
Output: 1h30
